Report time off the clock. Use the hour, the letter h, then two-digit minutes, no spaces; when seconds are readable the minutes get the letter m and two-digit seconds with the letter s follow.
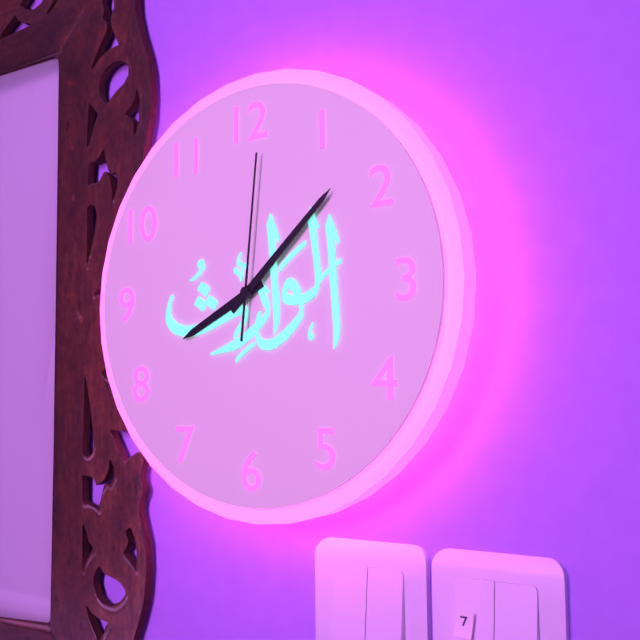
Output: 8h08m01s
